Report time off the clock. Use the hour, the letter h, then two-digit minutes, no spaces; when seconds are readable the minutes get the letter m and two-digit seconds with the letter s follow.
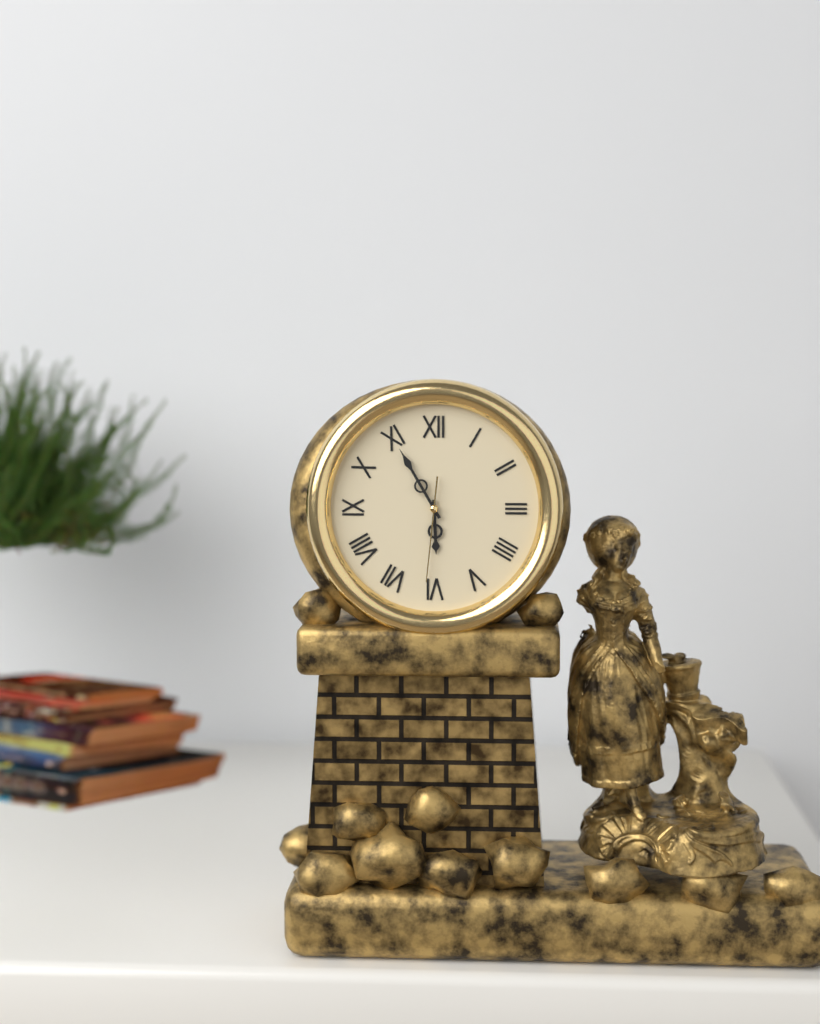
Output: 5h55m31s
